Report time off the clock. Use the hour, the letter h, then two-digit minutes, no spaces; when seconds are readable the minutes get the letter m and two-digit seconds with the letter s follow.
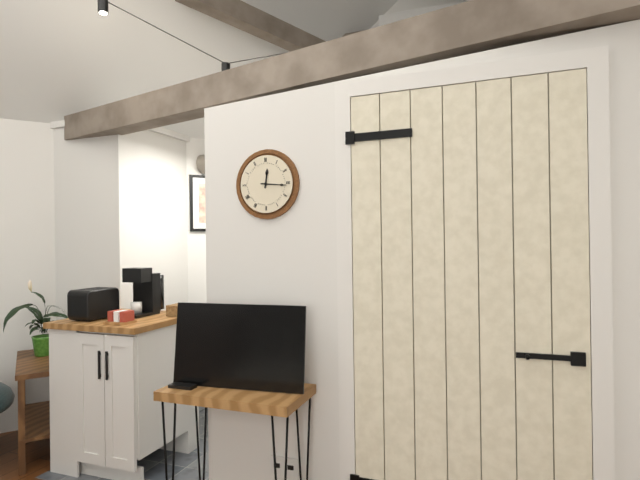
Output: 12h16
